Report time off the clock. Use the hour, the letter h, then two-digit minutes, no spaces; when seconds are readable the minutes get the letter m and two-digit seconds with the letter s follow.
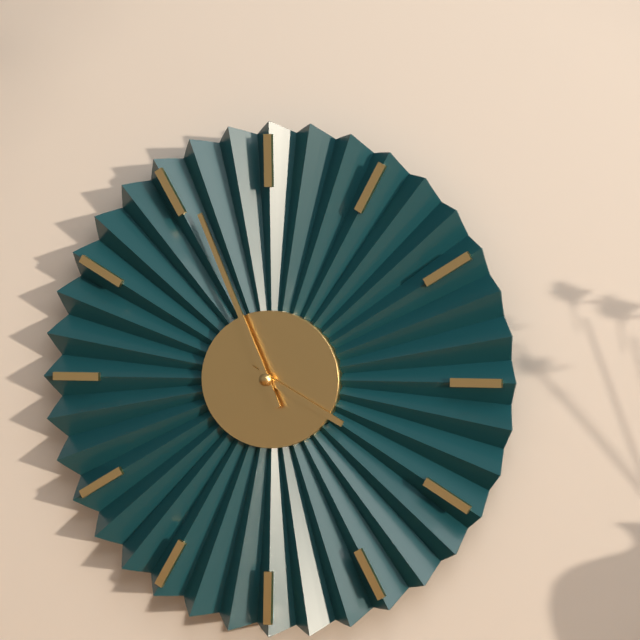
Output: 3h56
